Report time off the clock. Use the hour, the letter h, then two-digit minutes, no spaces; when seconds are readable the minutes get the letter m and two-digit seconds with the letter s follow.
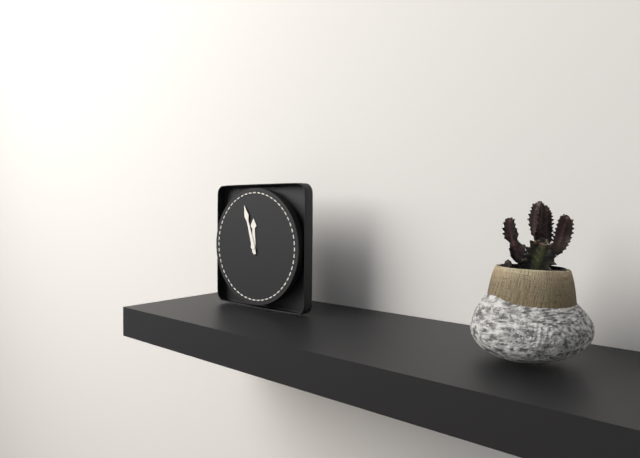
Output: 11h57
